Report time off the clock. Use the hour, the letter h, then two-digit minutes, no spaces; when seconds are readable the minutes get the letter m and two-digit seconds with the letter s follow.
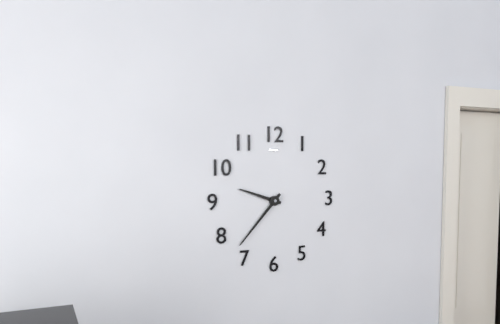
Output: 9h37
